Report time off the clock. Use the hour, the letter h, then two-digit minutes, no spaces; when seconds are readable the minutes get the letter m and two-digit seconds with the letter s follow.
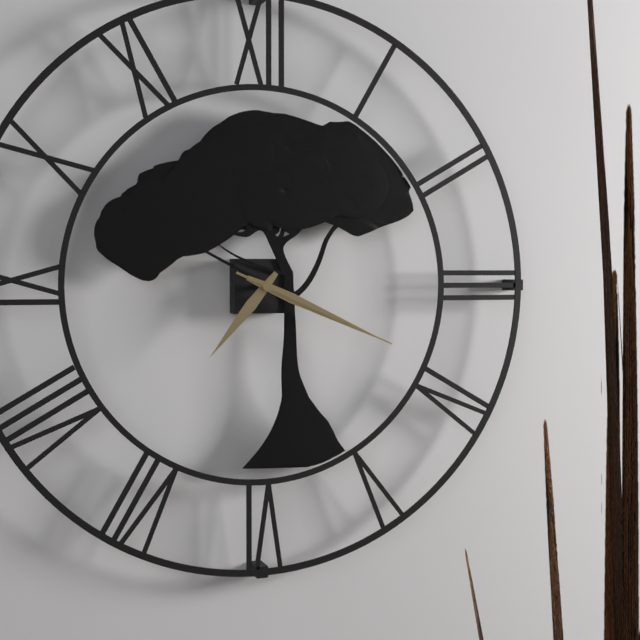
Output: 7h19m19s
